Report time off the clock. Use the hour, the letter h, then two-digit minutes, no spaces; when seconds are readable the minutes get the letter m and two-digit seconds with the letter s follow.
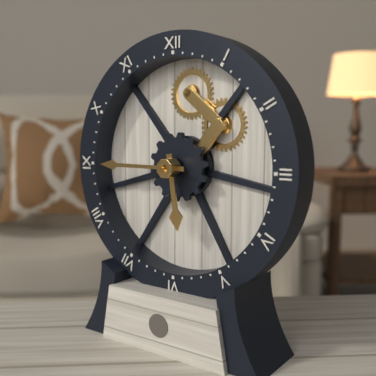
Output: 5h45
